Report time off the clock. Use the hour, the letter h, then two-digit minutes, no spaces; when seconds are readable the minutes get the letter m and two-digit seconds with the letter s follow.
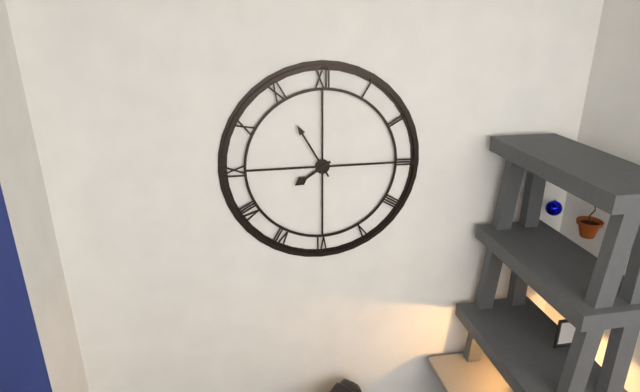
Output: 7h55
